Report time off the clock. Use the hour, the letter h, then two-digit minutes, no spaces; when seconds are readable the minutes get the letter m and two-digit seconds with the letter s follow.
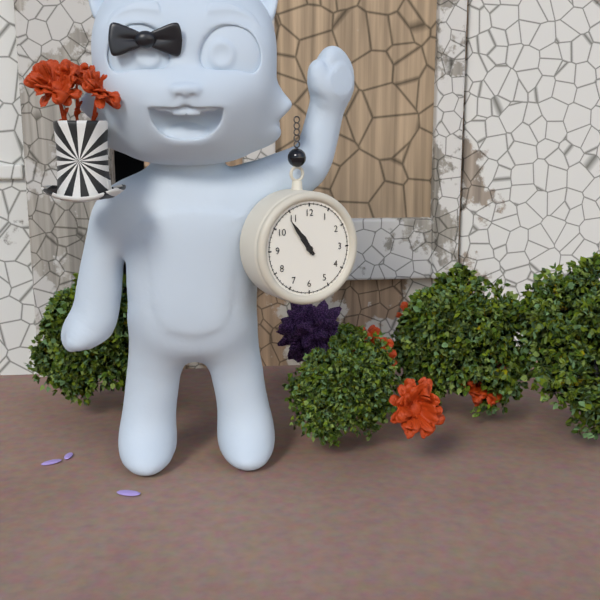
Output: 10h54
